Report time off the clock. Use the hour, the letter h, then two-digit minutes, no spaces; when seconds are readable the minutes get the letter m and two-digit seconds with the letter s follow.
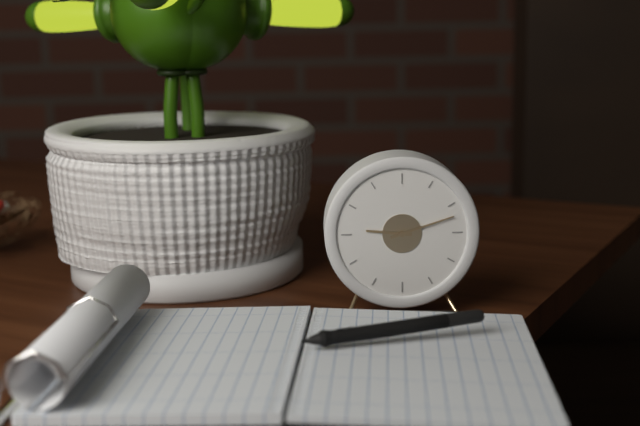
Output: 9h12
